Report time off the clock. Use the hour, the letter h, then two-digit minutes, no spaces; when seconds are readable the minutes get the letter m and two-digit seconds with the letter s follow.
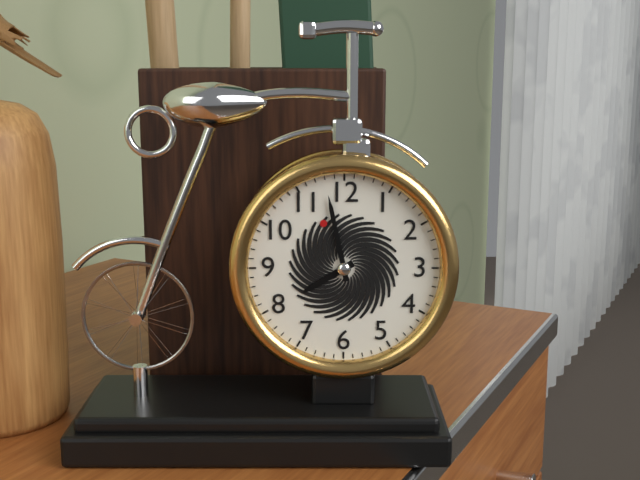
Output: 7h58
